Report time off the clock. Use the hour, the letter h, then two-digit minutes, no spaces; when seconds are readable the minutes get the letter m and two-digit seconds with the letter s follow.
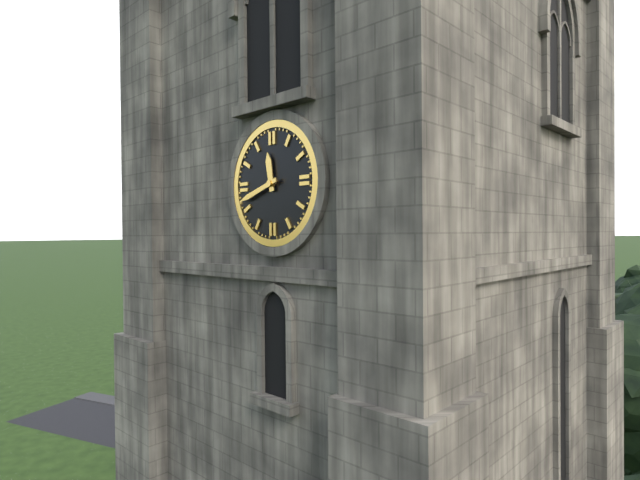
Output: 11h42
